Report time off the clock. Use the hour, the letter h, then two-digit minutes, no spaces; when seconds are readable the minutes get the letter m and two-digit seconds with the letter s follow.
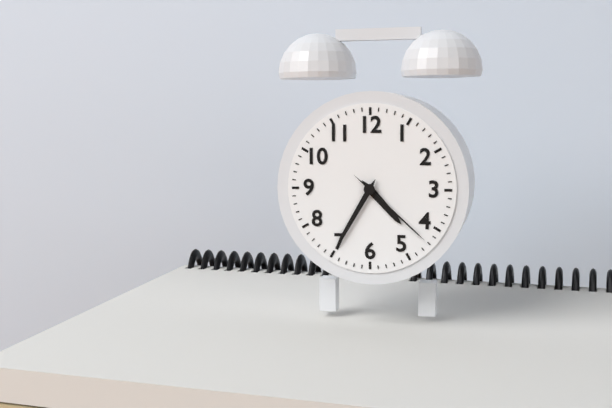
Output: 4h35m22s
